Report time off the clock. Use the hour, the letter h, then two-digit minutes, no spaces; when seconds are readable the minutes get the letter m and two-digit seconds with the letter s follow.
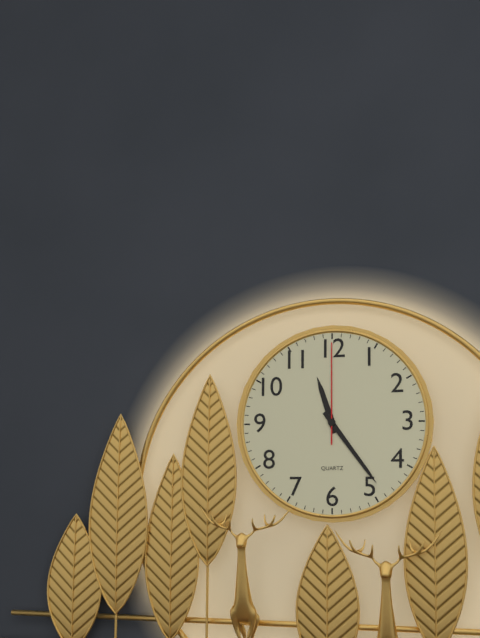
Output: 11h24m00s
